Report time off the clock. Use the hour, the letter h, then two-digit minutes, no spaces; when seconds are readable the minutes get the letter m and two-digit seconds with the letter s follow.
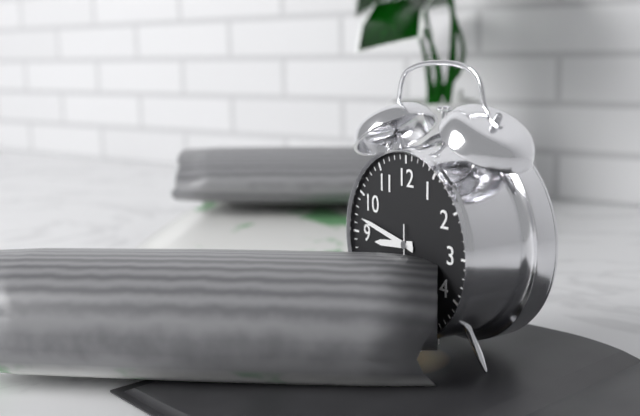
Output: 8h47
